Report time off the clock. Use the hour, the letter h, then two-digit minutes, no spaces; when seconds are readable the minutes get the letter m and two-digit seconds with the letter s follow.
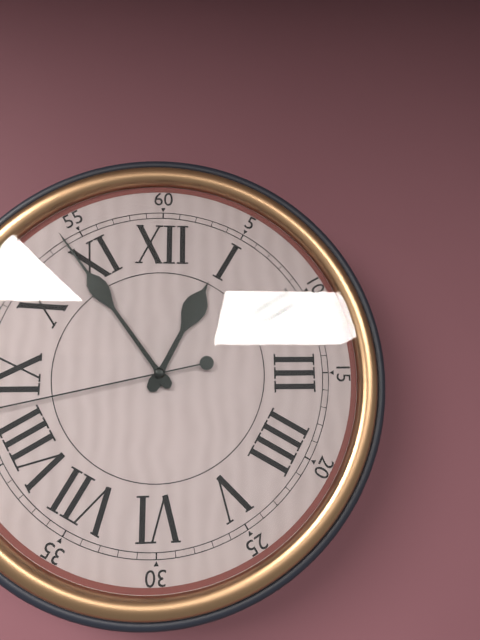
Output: 12h54
